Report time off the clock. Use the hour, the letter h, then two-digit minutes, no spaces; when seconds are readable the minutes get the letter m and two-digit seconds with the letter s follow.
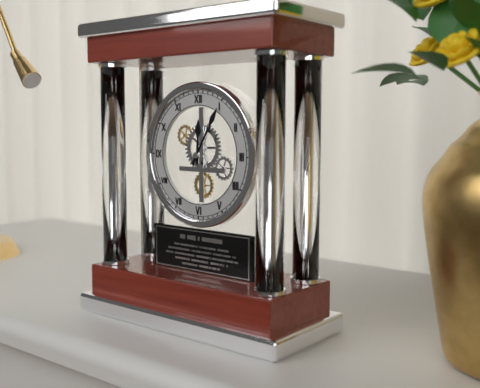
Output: 12h05
